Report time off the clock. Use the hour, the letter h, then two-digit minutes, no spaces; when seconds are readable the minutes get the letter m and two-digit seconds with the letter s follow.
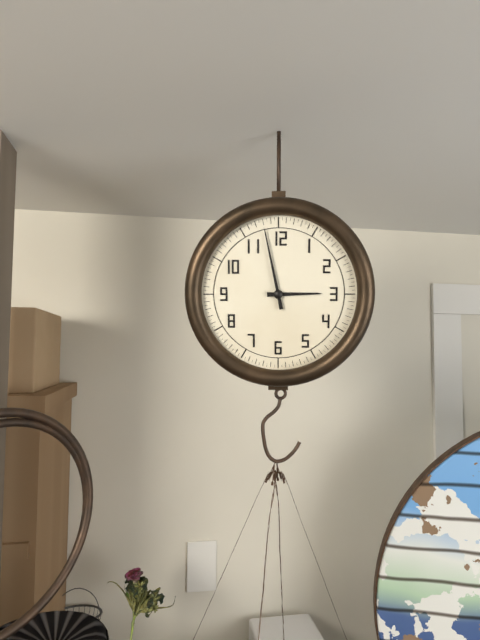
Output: 2h58
